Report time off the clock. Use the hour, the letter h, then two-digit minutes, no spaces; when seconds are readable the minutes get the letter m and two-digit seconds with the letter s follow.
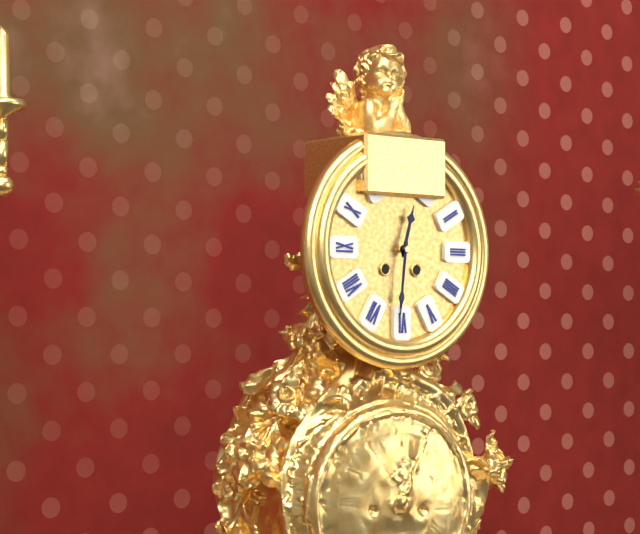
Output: 12h31
